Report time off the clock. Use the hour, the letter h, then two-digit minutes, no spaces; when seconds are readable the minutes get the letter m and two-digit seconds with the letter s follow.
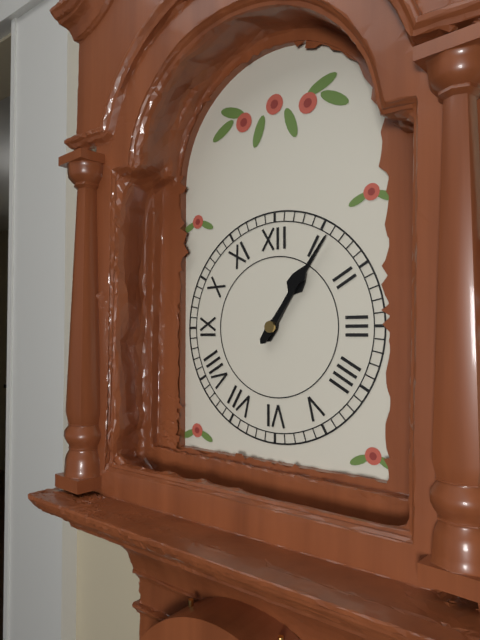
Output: 1h06
